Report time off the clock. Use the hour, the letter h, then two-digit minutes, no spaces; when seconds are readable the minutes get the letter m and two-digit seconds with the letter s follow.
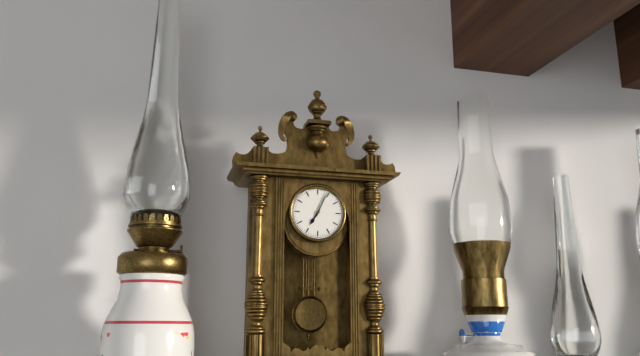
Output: 7h04
